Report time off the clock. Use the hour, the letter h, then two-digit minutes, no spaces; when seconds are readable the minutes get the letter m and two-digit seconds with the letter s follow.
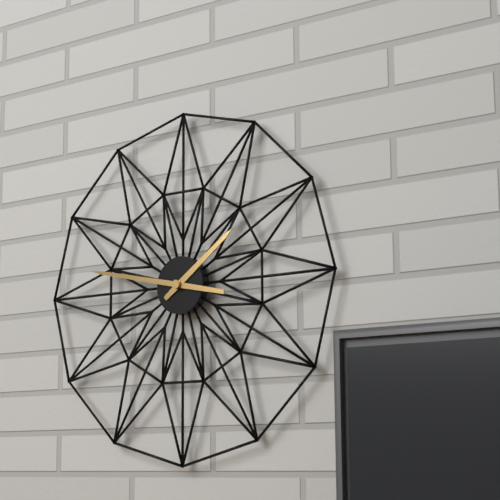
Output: 1h47
